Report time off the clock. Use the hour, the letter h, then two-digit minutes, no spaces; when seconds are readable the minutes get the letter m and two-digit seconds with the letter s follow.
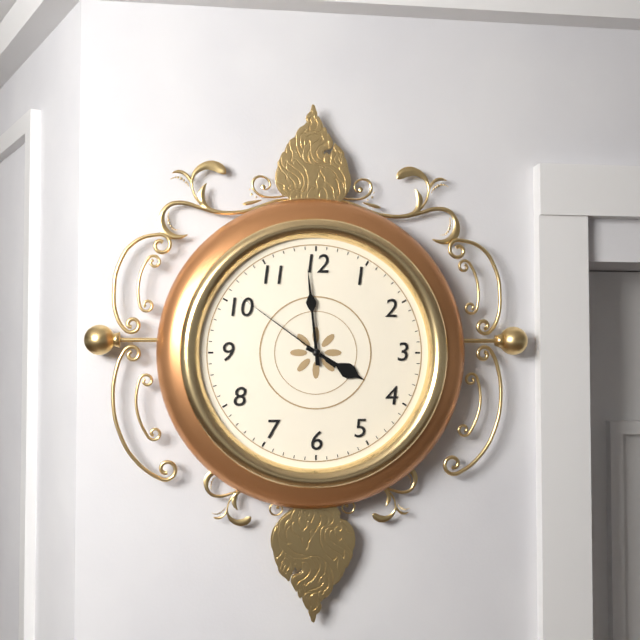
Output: 3h59m51s
